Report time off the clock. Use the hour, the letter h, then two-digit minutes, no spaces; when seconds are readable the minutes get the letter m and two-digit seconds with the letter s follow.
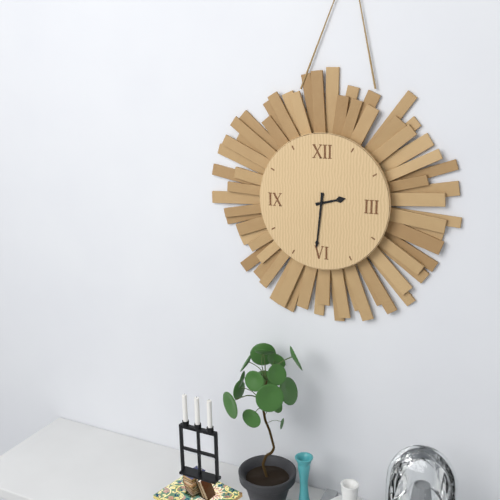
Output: 2h31
